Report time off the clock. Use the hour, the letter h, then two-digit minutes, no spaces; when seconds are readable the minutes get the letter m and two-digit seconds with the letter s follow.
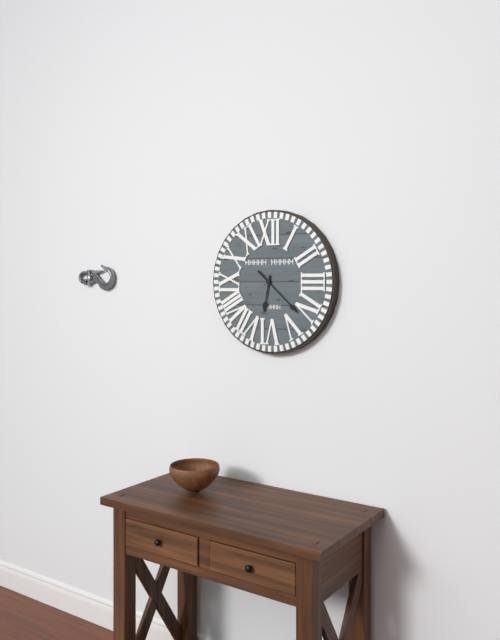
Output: 6h22
